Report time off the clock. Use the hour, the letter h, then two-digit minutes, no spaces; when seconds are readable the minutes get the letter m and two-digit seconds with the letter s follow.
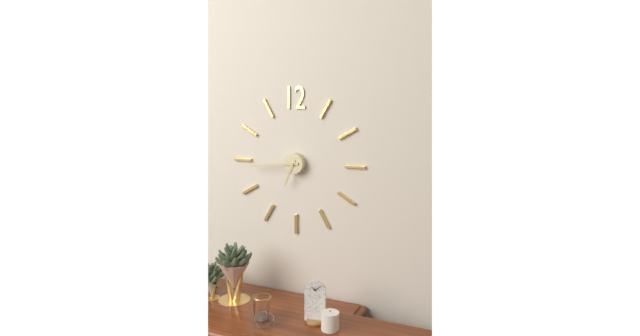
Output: 6h44
